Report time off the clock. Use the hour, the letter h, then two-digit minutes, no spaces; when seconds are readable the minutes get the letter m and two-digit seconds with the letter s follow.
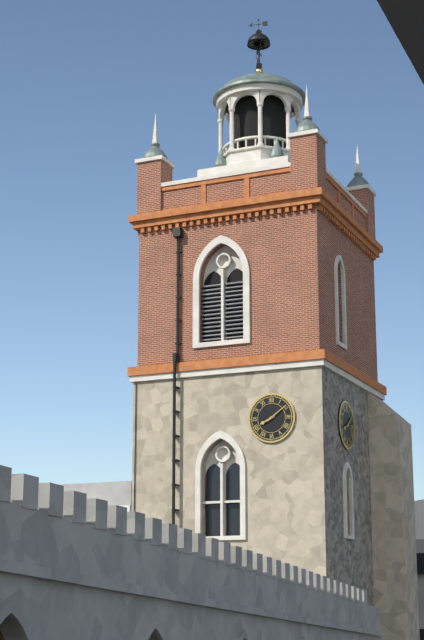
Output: 8h09
